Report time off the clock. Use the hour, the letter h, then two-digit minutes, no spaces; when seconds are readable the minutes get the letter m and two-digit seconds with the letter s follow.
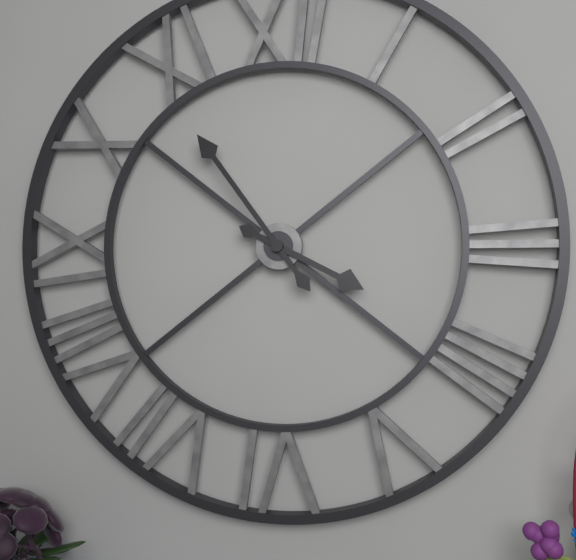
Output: 3h54
